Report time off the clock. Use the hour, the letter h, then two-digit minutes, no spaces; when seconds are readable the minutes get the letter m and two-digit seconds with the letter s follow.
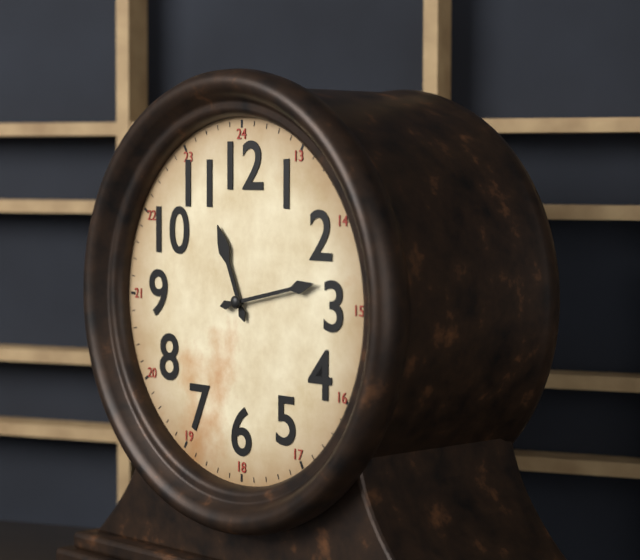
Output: 11h13
